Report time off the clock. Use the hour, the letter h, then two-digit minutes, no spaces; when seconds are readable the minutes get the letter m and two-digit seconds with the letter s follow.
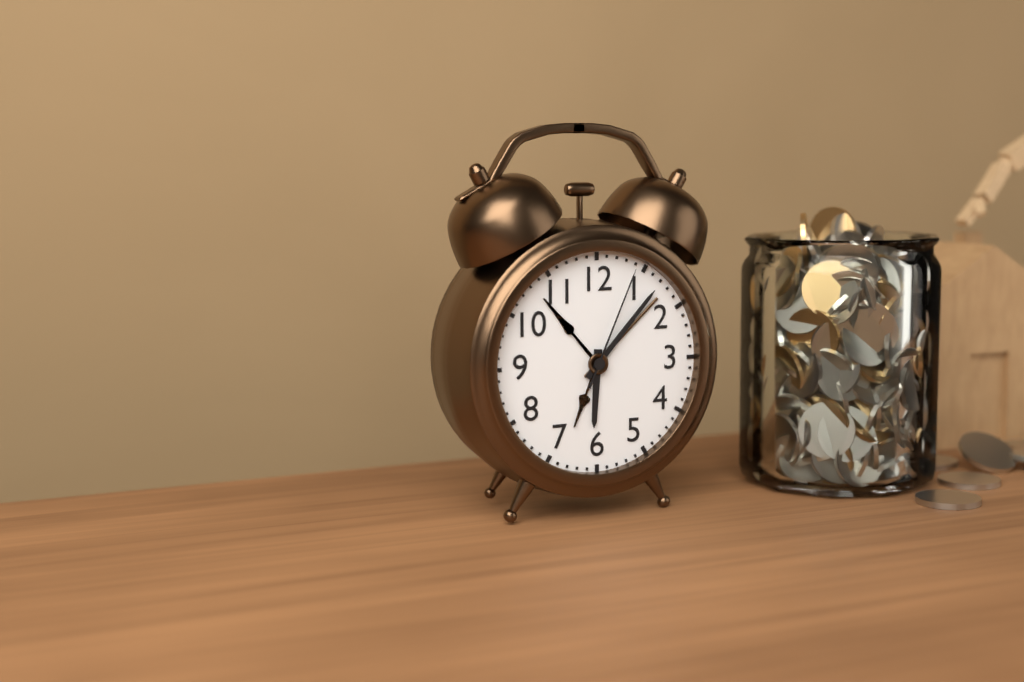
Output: 6h07m04s
